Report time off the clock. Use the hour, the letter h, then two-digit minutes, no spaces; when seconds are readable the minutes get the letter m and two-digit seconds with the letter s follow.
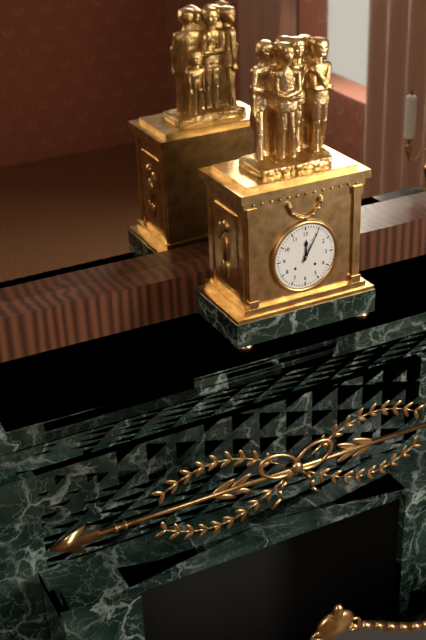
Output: 12h05
